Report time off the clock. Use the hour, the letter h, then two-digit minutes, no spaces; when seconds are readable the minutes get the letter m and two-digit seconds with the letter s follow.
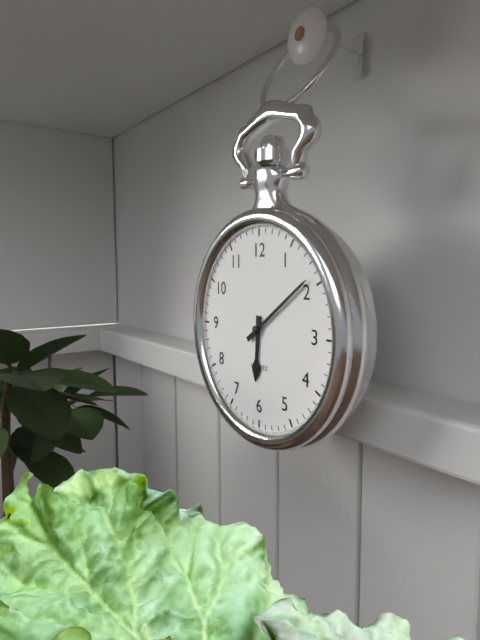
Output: 6h09
